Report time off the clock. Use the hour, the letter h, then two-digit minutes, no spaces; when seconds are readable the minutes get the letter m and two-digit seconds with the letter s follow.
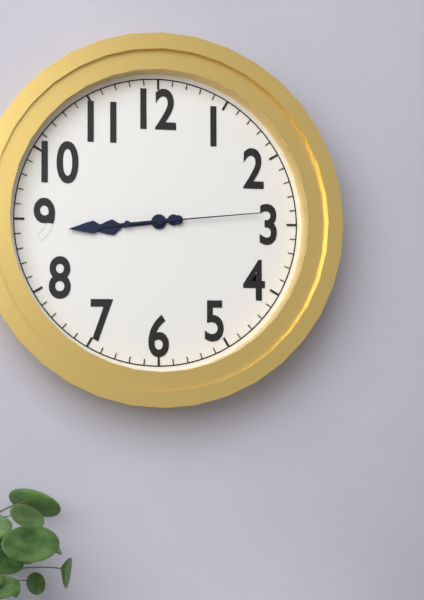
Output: 8h44m14s
